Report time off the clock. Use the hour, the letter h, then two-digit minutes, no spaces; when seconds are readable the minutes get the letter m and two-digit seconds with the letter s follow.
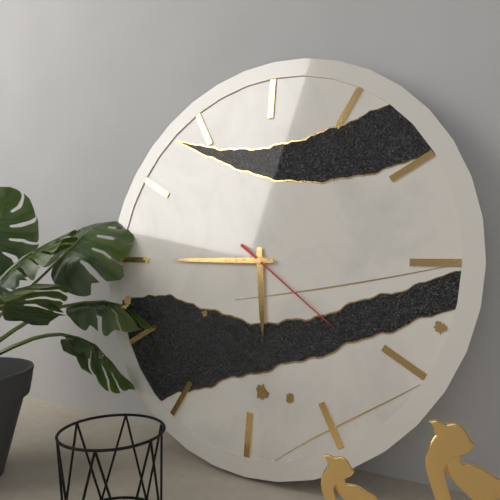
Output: 5h45m21s
